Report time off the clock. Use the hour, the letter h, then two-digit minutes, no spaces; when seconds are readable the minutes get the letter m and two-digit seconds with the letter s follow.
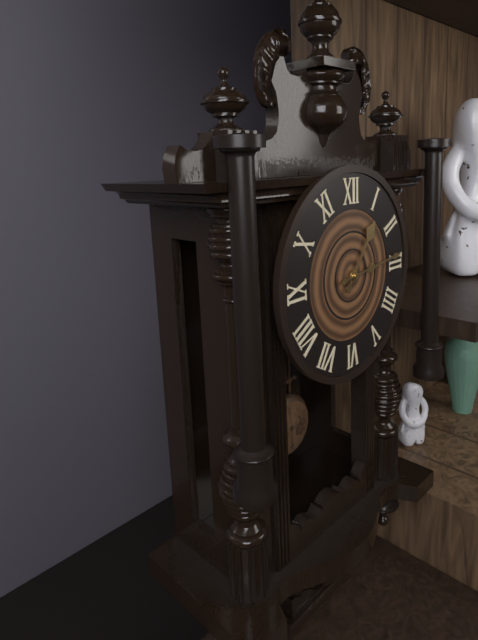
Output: 1h14
